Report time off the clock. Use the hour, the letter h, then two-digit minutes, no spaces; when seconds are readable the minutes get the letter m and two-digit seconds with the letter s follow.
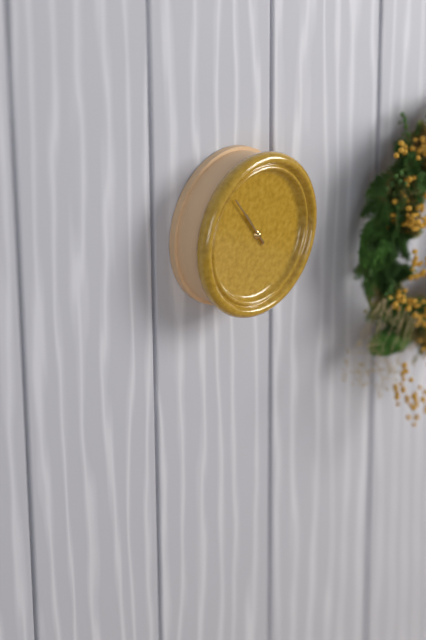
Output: 10h54
